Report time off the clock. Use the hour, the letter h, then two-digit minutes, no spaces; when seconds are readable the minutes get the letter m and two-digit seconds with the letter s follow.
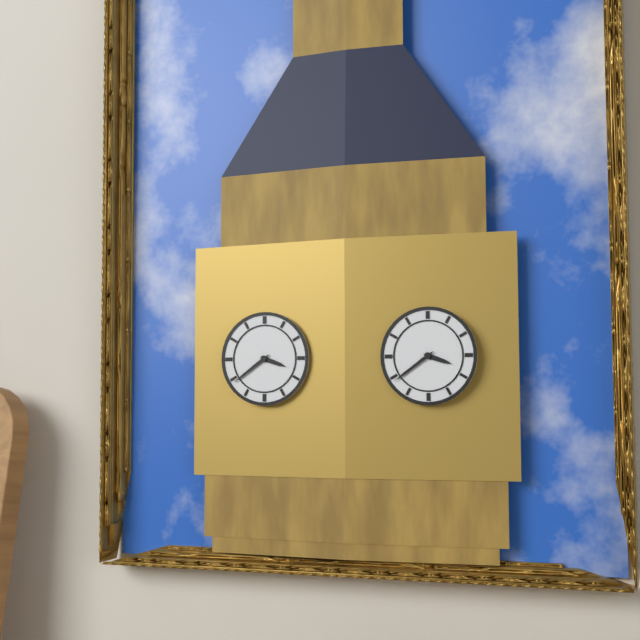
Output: 3h39
